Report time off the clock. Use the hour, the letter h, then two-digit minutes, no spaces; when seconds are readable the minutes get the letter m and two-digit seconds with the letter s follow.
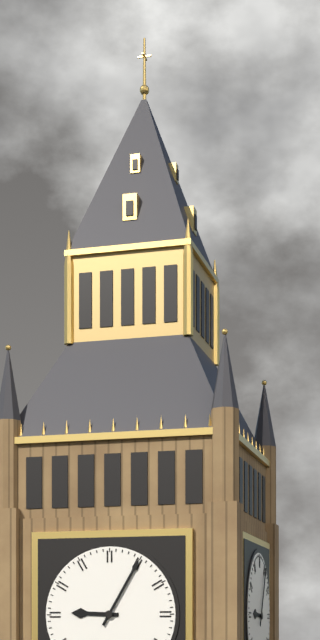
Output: 9h05
